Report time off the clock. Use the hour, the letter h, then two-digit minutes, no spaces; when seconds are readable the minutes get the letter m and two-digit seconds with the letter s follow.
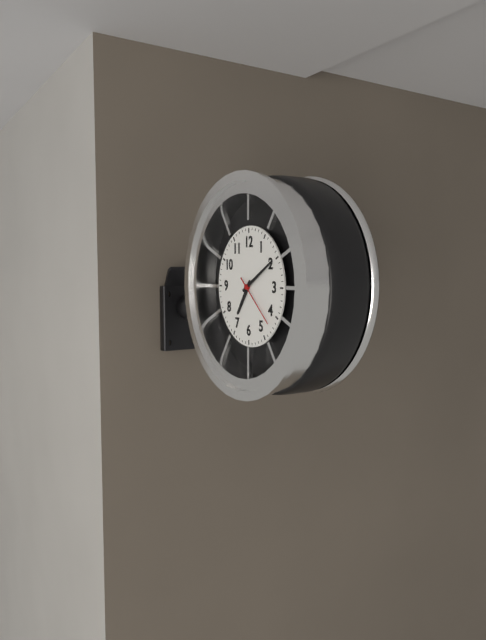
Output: 7h10
